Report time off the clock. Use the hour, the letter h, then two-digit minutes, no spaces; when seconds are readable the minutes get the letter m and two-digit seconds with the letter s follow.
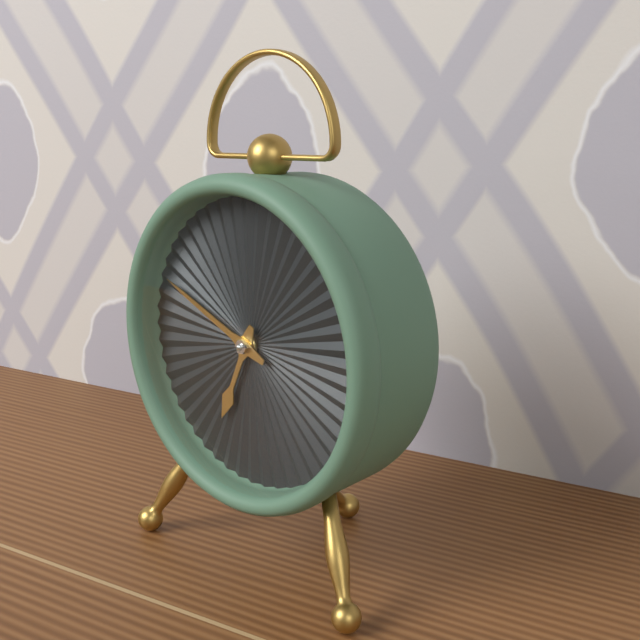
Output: 6h49
